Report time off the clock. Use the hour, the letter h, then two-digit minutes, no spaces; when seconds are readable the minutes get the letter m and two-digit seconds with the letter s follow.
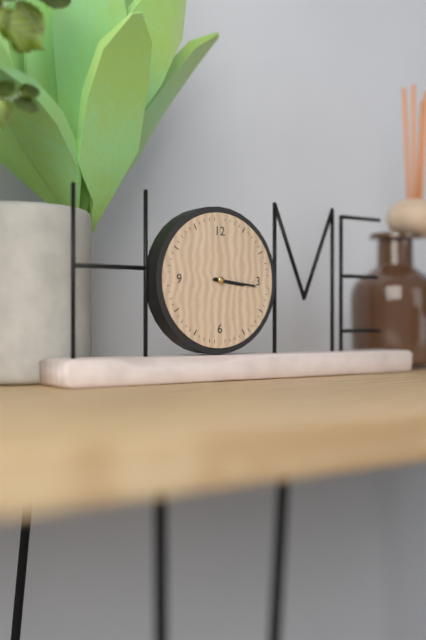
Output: 3h16
